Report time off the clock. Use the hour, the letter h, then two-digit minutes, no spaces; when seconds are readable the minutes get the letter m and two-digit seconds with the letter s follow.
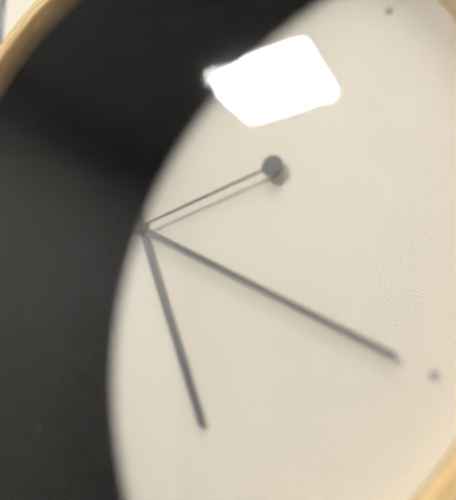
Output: 5h20
